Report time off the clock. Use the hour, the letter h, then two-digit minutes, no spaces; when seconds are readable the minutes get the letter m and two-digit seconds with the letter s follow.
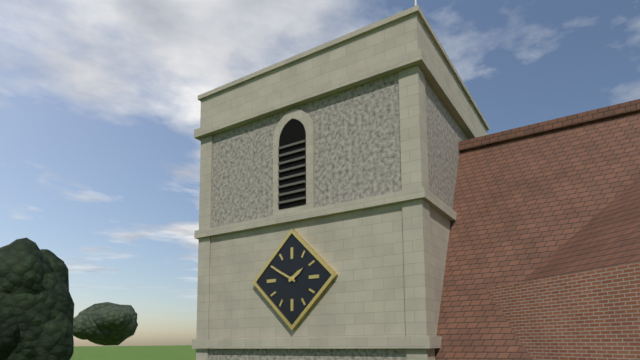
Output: 1h50
